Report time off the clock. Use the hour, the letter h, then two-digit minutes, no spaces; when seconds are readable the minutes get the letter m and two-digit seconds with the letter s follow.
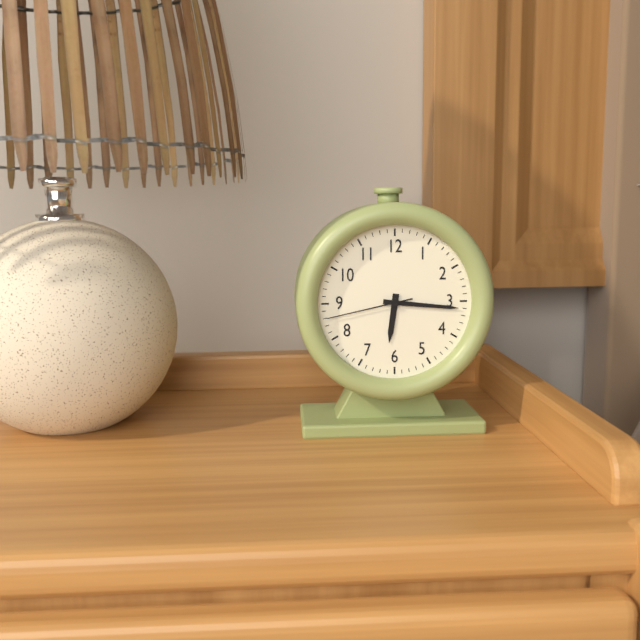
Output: 6h16m43s
